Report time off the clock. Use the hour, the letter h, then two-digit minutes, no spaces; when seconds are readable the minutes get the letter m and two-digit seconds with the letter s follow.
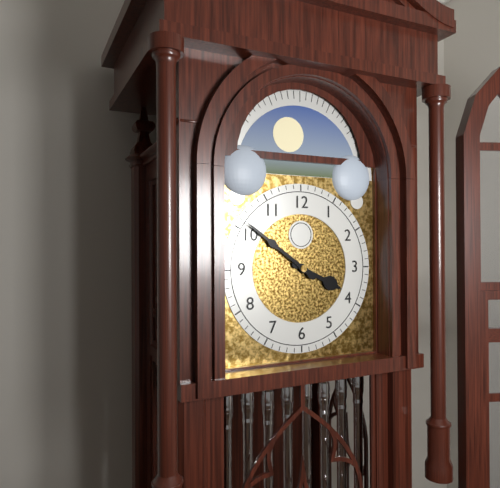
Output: 3h51
